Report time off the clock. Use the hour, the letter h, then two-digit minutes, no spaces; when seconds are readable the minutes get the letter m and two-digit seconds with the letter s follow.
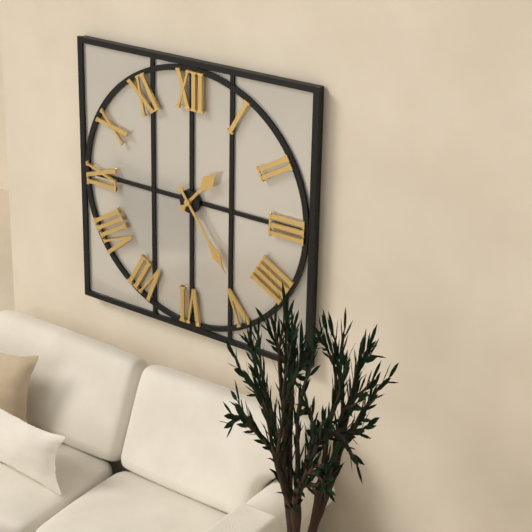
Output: 1h24
